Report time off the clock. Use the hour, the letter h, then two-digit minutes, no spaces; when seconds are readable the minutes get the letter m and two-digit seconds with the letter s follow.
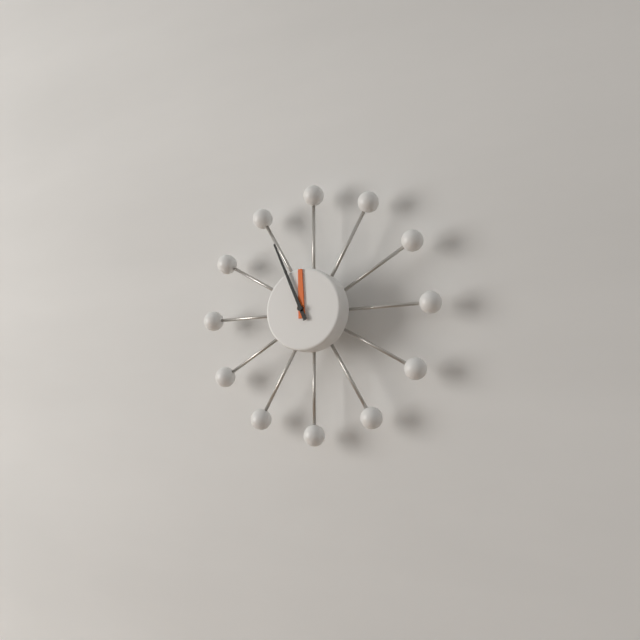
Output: 11h56
